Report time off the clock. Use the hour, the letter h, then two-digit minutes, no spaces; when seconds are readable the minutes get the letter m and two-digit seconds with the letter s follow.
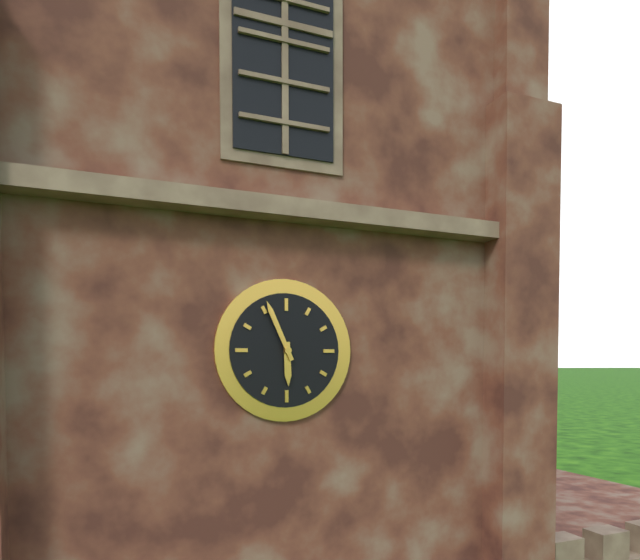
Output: 5h56
